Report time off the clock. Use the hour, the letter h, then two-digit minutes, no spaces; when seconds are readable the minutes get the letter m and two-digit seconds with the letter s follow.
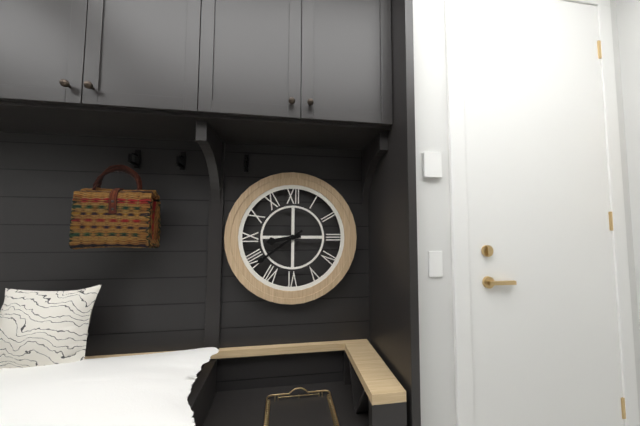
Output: 8h39
